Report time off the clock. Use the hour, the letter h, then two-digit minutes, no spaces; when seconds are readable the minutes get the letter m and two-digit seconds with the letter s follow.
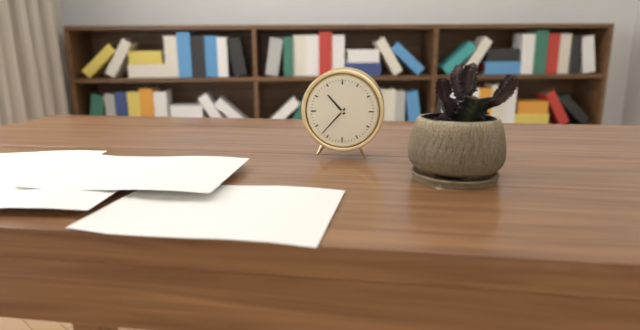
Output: 10h37
